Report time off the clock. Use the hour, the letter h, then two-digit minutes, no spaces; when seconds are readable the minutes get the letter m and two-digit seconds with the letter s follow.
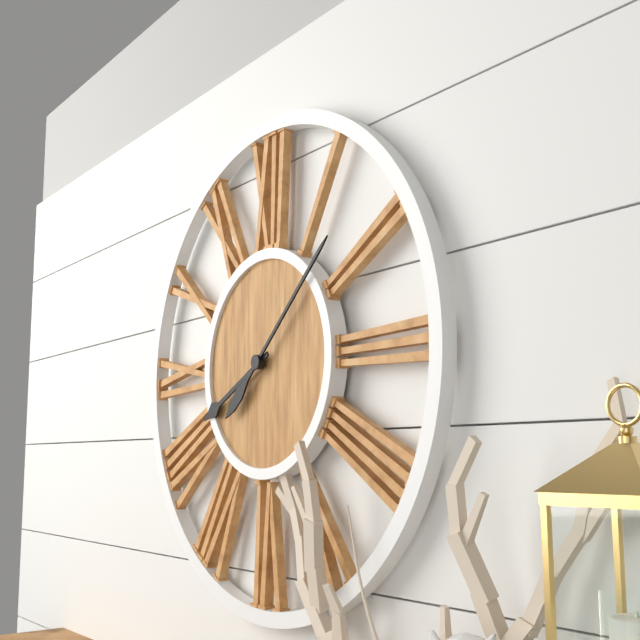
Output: 8h08
